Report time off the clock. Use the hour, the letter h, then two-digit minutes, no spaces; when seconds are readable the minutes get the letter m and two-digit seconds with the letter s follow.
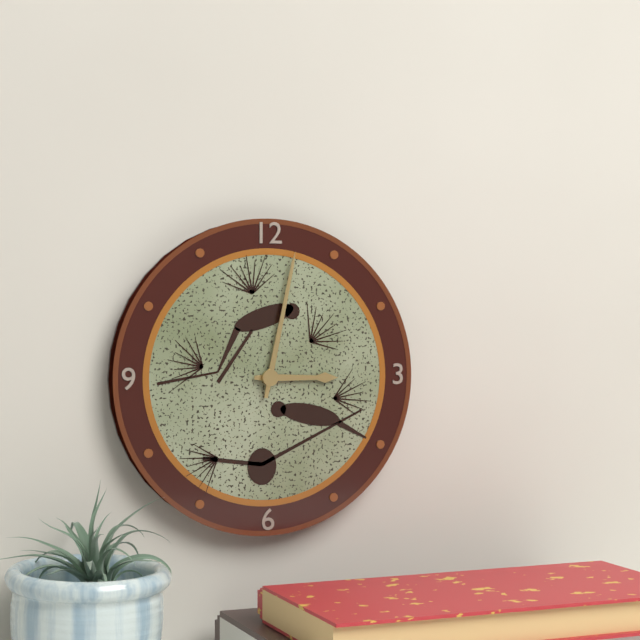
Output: 3h02
